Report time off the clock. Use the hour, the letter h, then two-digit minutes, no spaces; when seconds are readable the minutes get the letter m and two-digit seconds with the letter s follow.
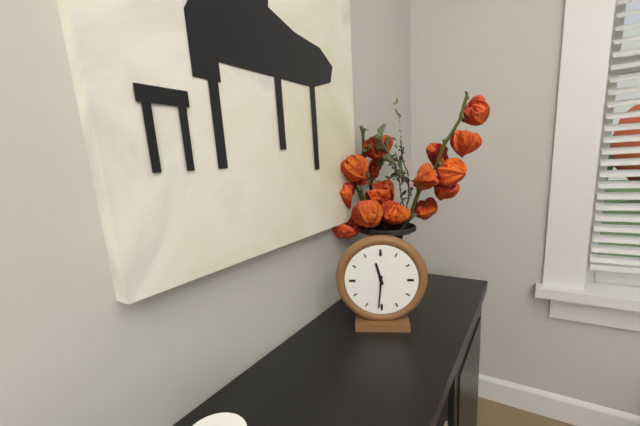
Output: 11h31
